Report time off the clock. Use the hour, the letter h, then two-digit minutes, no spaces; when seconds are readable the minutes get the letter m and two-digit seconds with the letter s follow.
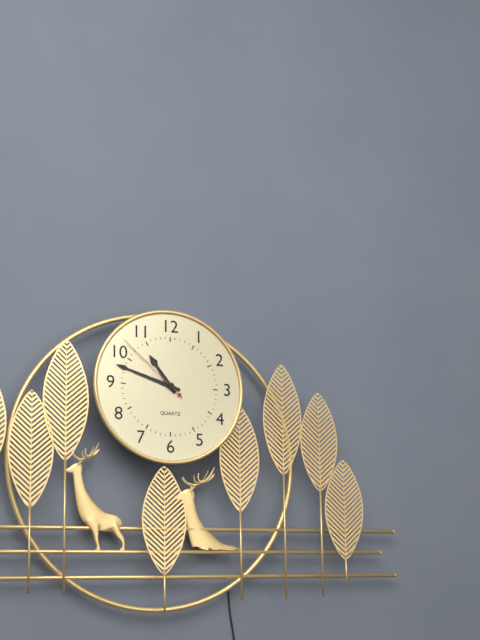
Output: 10h48m52s
